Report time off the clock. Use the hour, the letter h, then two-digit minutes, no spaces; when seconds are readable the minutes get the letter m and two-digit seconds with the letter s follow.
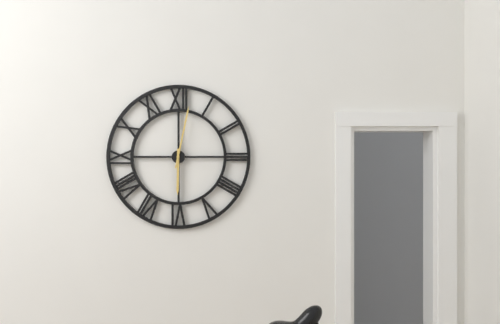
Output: 6h02
